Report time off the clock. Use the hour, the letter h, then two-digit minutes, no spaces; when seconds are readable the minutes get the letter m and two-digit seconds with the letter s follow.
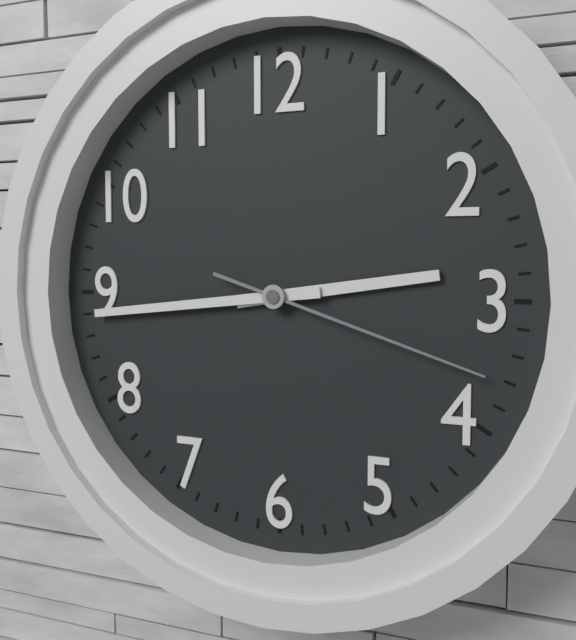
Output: 2h44m18s
